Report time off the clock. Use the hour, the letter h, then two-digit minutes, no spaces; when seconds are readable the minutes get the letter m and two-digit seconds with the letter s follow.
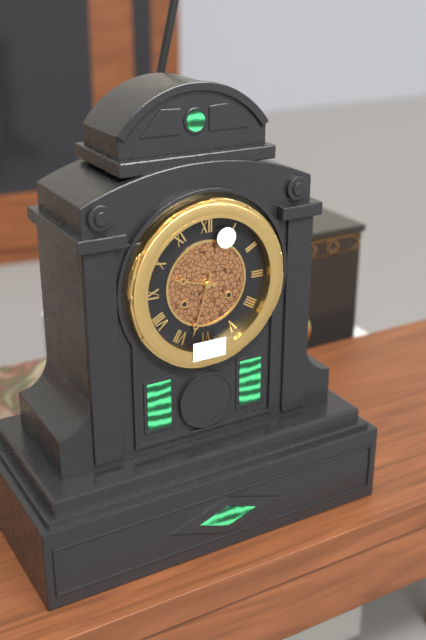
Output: 9h33
